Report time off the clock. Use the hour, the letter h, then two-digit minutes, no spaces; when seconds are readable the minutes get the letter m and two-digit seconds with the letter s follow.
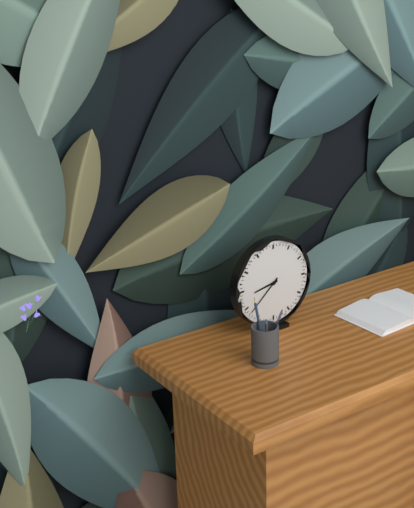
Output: 8h38
